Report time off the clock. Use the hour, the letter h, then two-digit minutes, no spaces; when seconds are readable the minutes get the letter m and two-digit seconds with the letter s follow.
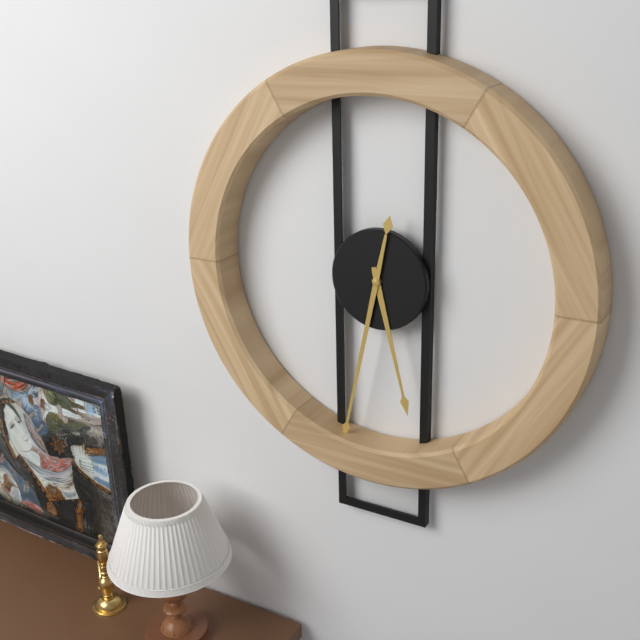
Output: 5h32
